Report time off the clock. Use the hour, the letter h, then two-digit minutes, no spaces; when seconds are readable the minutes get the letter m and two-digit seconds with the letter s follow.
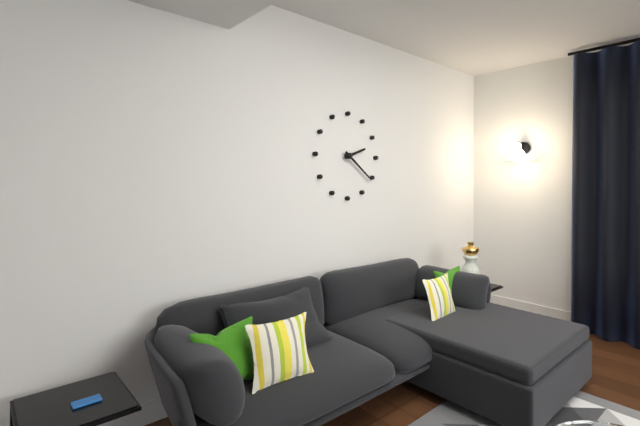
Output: 2h21
